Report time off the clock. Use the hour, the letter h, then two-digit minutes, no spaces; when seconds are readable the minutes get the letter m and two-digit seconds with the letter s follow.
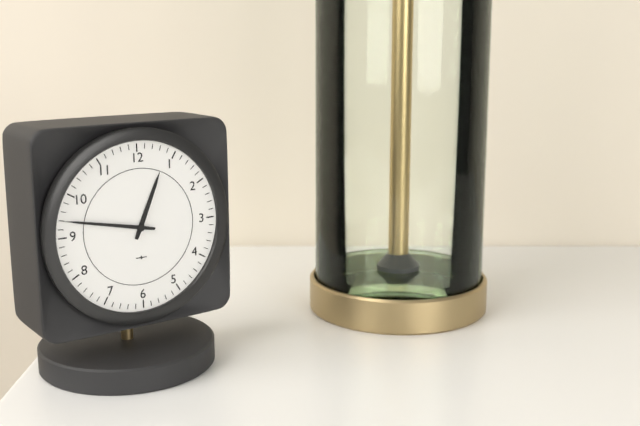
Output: 12h47
